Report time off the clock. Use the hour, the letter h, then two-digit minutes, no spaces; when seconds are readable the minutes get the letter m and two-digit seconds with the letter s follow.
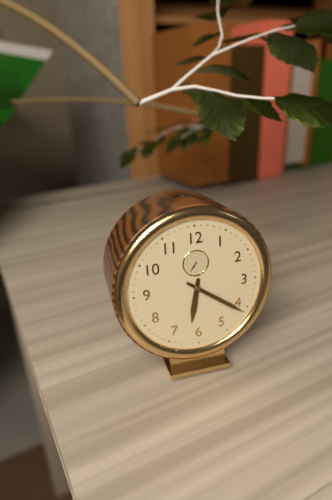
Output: 6h21
